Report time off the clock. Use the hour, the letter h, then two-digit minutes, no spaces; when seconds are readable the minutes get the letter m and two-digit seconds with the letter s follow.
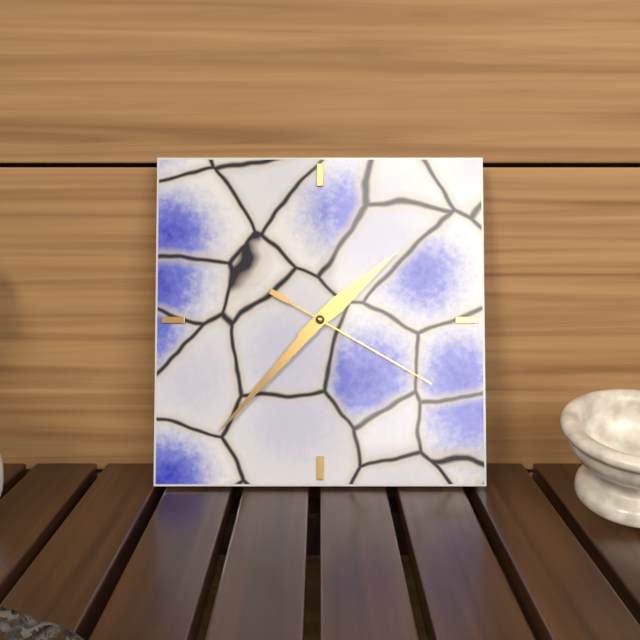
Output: 1h37m20s
